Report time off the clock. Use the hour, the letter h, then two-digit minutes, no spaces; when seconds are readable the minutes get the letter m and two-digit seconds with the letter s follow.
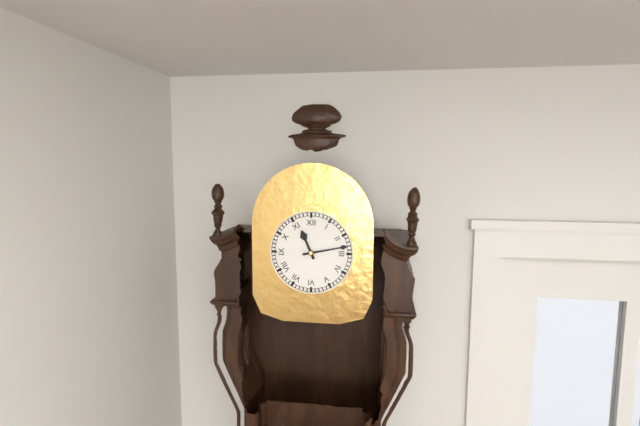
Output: 11h13
